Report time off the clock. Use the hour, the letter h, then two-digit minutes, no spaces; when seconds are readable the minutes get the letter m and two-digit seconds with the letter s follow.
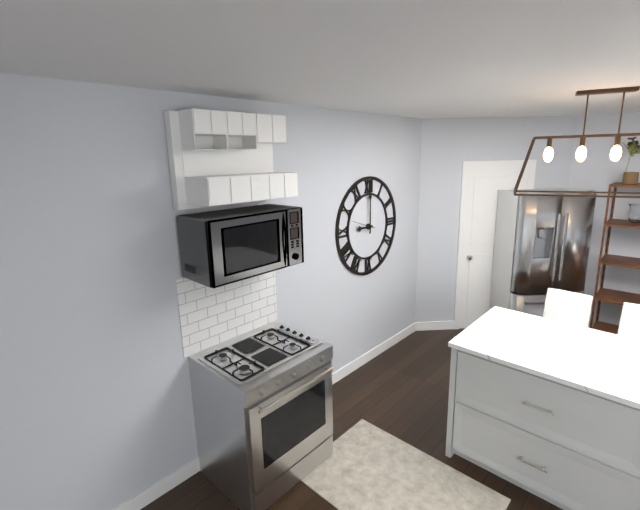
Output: 9h00
